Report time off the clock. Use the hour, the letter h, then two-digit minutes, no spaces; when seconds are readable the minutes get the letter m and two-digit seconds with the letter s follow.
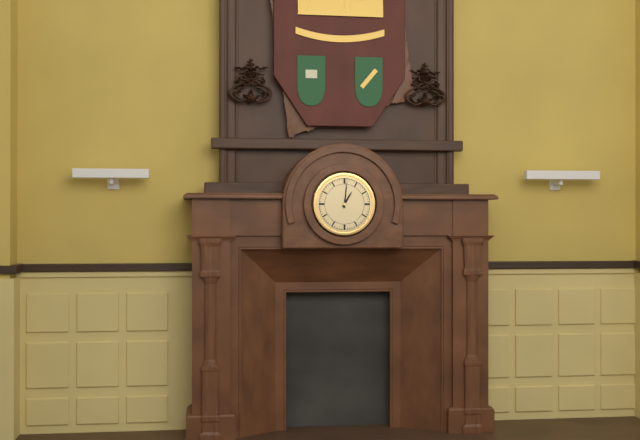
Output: 1h01
